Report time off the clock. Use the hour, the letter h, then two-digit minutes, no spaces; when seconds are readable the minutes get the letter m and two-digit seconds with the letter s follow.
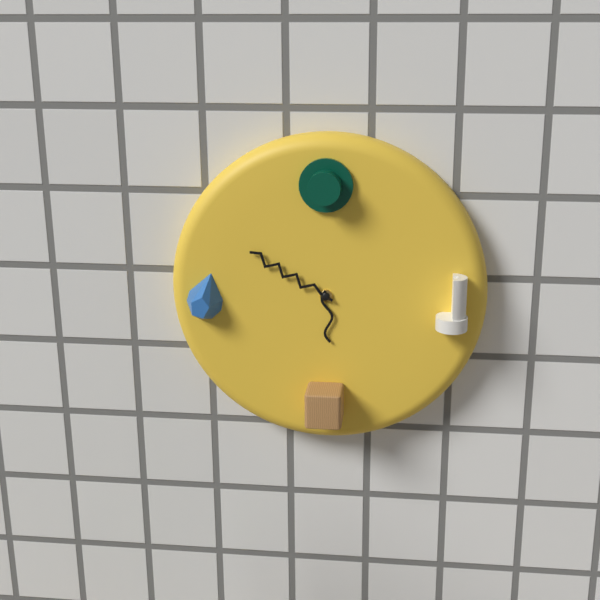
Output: 5h50
